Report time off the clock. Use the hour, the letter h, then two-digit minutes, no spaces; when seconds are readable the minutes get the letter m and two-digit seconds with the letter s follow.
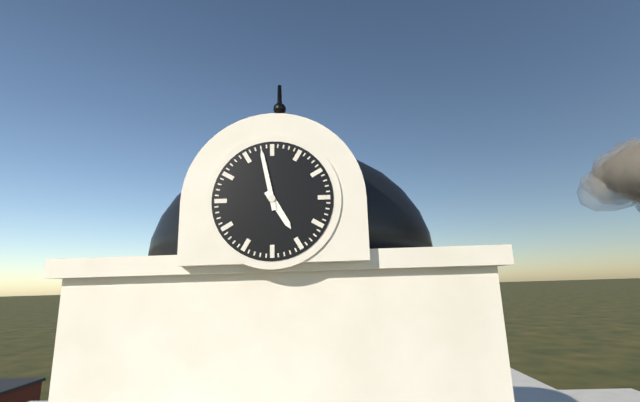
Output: 4h58
